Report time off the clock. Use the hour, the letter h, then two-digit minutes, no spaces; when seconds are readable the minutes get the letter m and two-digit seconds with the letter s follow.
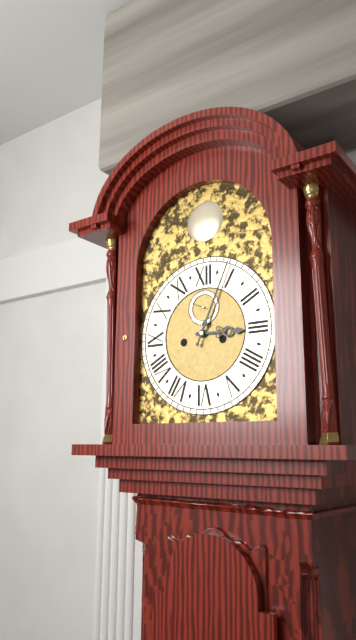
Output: 3h04
